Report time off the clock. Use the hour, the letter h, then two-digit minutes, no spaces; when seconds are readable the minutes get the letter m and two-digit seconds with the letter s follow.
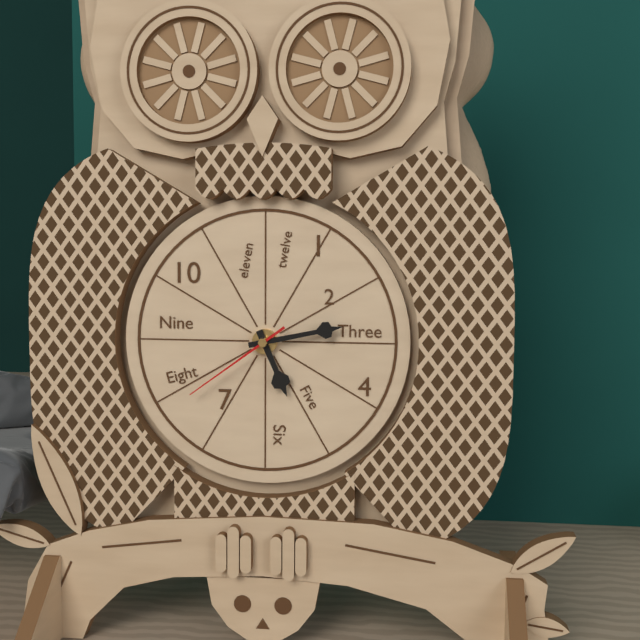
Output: 5h13m39s
